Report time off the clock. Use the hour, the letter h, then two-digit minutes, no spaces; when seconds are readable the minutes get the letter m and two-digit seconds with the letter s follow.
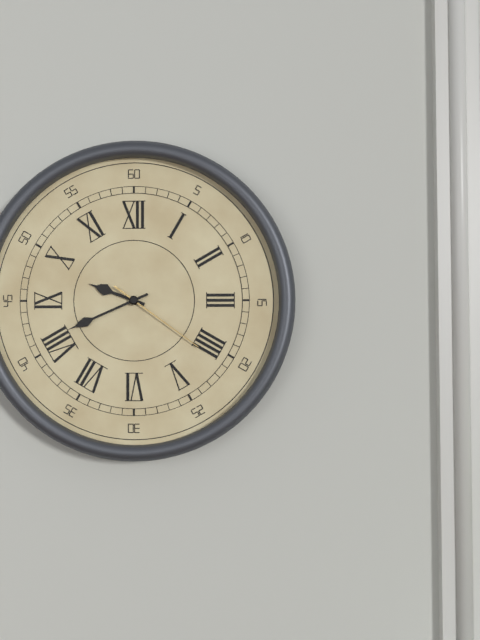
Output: 9h41m21s
